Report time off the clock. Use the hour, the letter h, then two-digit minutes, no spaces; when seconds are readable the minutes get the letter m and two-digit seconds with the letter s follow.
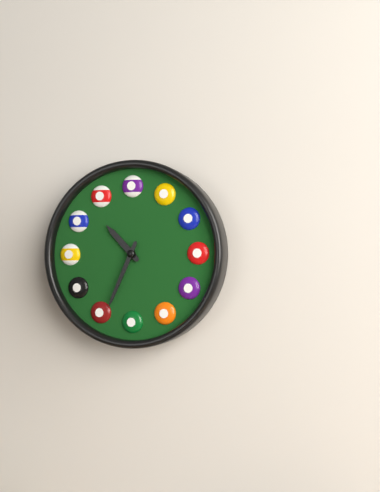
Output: 10h34
